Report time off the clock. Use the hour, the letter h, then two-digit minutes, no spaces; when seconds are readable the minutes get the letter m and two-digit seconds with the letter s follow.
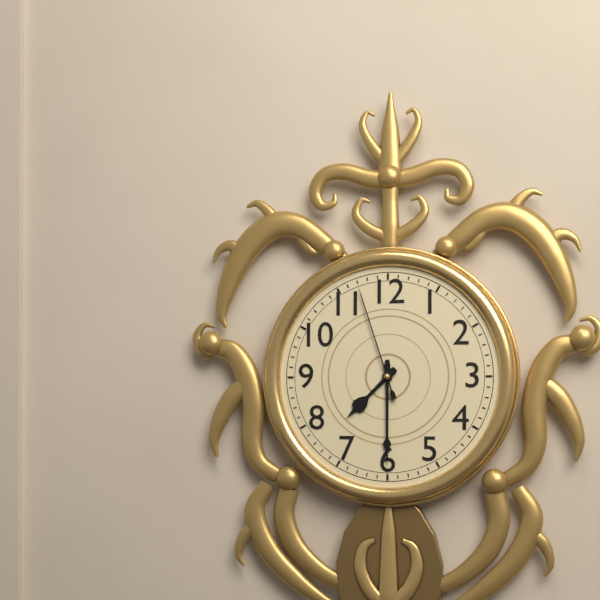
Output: 7h30m57s
